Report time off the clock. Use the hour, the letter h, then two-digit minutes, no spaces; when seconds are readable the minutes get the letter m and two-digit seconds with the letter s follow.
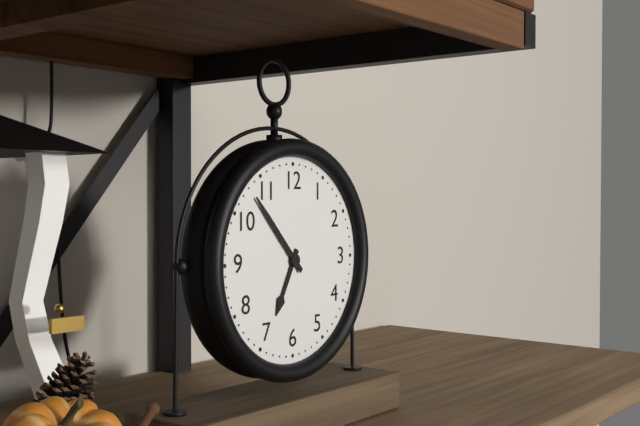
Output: 6h53
